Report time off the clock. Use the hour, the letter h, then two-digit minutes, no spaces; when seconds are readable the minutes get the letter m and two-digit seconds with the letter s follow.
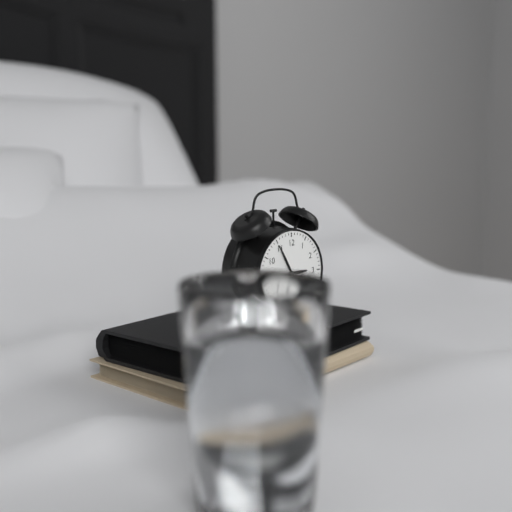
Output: 2h55
